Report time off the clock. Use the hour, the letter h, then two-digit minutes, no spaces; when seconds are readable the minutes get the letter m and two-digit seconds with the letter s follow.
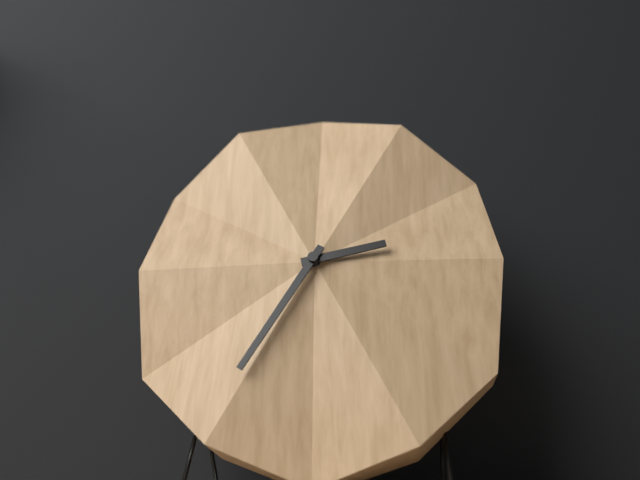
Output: 2h35
